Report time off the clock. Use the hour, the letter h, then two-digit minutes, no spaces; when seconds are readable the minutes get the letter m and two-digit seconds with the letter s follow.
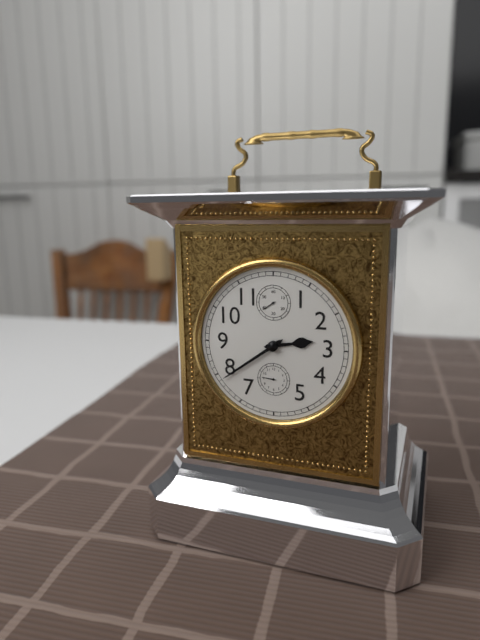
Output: 2h39
